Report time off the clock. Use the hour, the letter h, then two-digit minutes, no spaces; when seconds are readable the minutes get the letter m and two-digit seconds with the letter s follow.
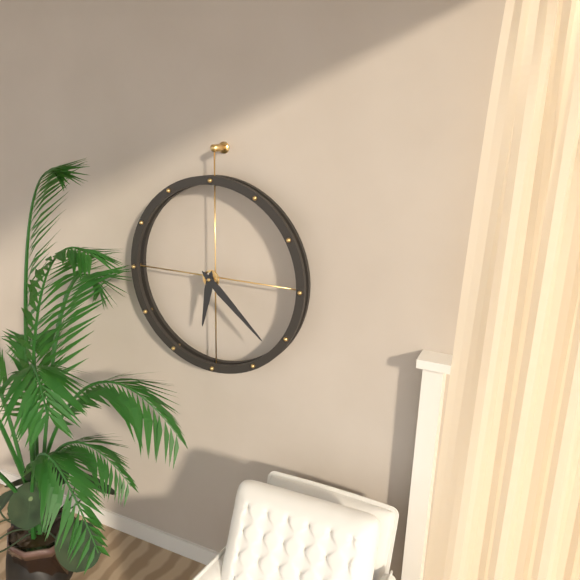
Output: 6h22
